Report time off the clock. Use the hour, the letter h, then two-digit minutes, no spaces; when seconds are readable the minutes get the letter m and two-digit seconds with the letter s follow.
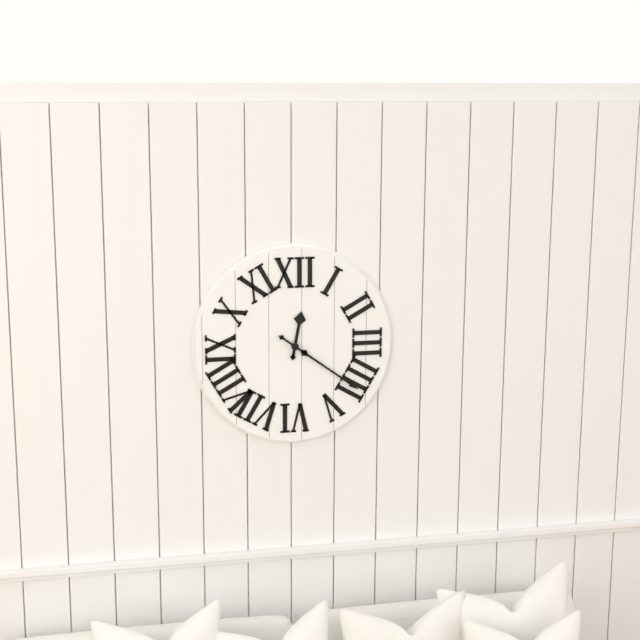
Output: 12h21
